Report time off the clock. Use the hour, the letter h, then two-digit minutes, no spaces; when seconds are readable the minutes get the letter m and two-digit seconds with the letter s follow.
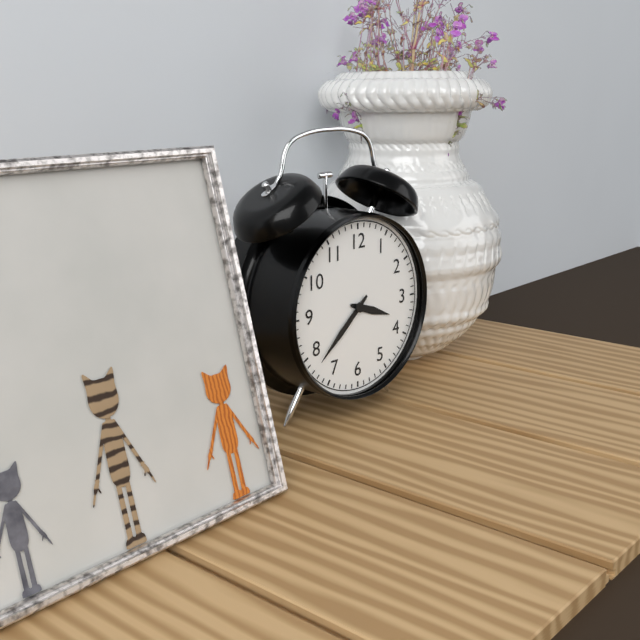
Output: 3h38
